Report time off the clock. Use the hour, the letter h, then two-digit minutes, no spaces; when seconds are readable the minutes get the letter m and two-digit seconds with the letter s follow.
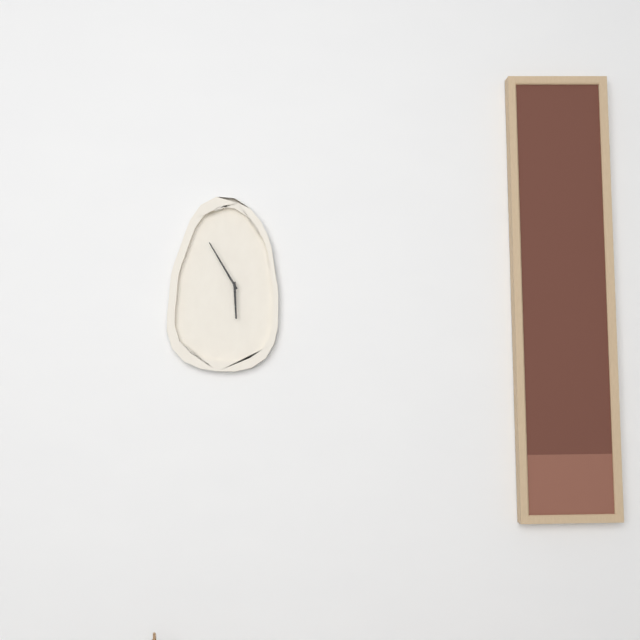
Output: 5h55
